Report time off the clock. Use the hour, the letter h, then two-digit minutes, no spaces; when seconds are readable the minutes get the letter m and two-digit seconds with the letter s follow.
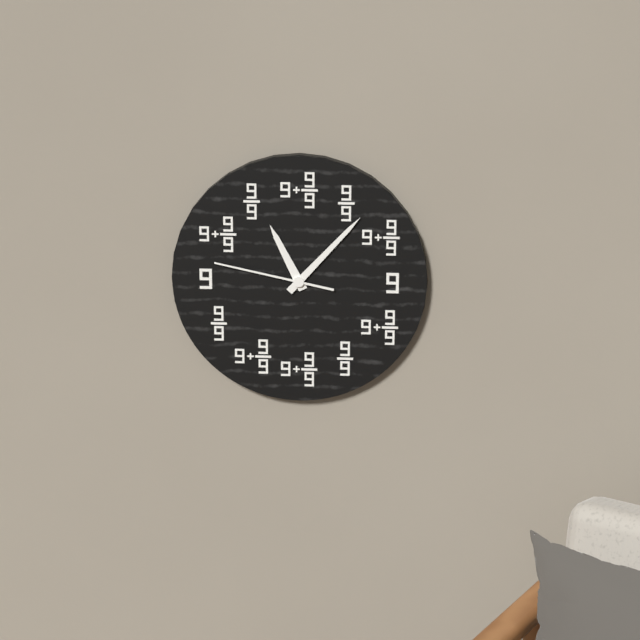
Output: 11h07m47s
